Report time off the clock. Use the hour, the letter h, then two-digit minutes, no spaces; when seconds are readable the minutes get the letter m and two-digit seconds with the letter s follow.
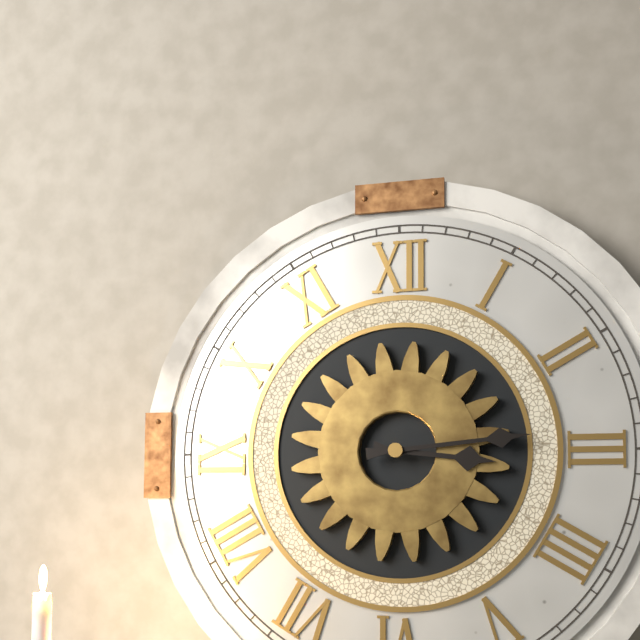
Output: 3h14
